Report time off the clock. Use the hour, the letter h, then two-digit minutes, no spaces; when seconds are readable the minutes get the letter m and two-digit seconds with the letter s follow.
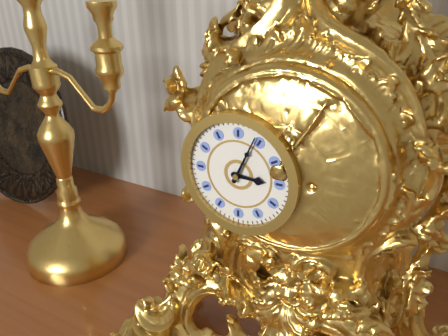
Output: 3h04
